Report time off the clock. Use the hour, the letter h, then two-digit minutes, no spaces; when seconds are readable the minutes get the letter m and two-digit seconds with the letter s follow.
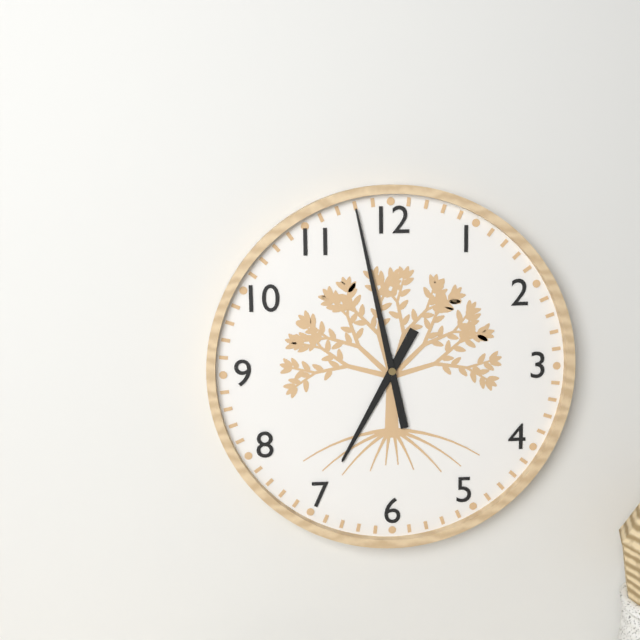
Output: 6h58
